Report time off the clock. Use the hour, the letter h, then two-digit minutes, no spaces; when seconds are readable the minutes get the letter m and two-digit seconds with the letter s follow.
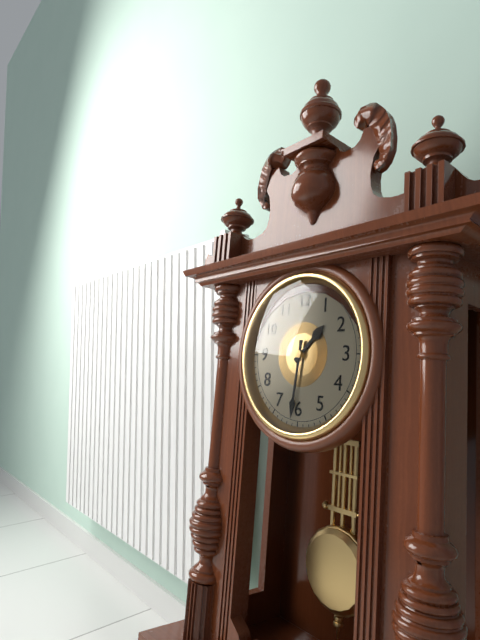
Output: 1h31
